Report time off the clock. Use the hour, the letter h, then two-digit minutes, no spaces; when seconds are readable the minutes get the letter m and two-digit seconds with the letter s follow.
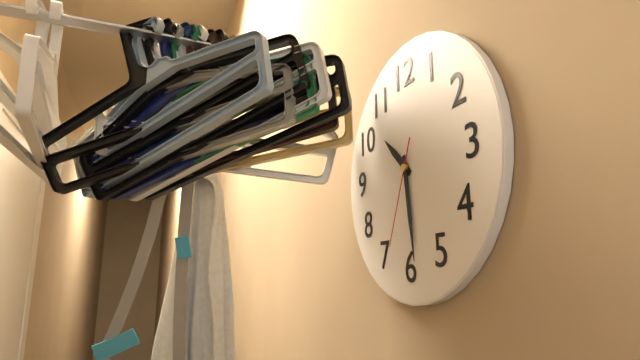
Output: 10h29m34s
